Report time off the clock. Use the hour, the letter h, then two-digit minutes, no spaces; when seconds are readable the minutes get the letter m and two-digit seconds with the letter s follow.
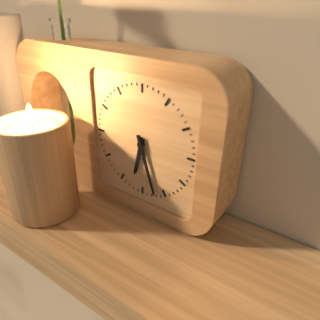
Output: 6h27
